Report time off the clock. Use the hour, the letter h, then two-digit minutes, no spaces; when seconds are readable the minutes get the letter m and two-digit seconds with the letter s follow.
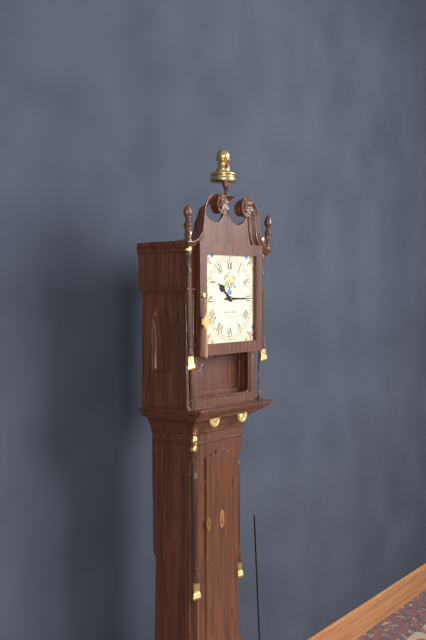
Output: 10h15
